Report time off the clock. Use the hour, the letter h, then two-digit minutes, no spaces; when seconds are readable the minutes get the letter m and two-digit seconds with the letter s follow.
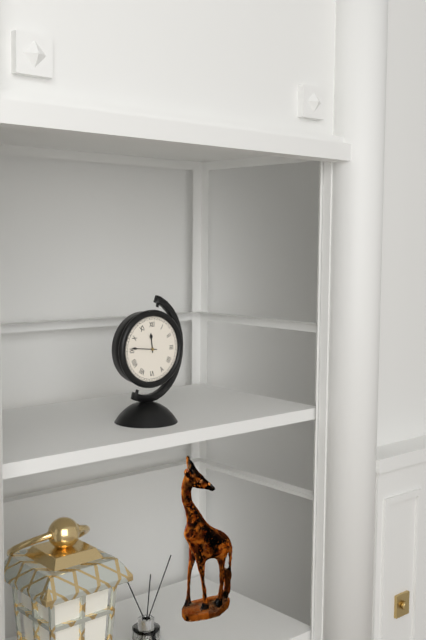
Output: 11h46
